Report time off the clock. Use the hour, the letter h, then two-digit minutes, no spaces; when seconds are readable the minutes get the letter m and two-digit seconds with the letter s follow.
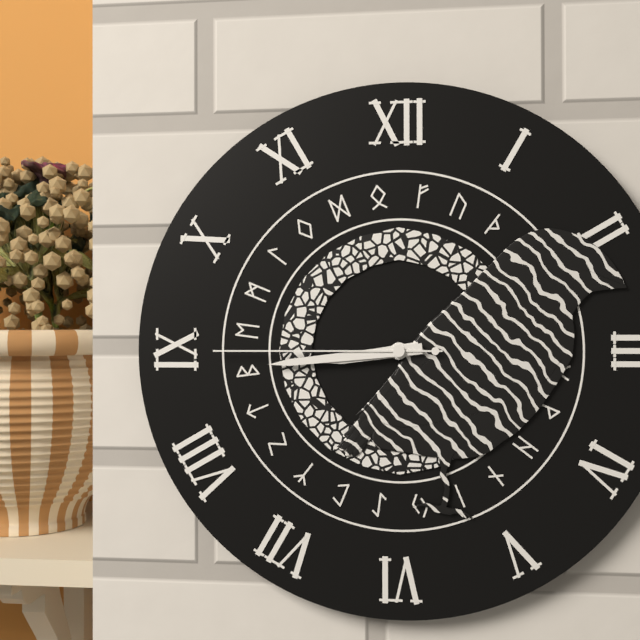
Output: 8h44m45s
